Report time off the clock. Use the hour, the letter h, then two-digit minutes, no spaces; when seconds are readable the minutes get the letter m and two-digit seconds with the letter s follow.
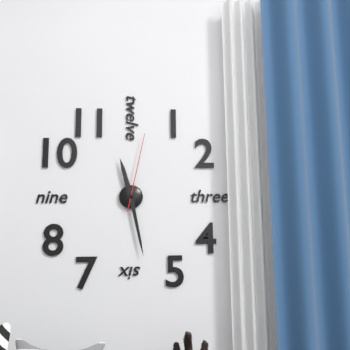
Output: 11h28m02s
